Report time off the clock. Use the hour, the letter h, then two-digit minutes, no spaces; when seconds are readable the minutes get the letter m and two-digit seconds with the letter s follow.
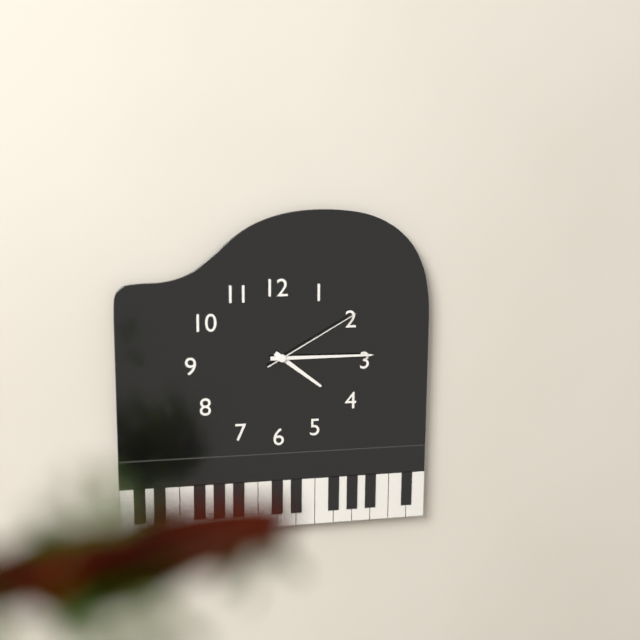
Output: 4h15m10s
